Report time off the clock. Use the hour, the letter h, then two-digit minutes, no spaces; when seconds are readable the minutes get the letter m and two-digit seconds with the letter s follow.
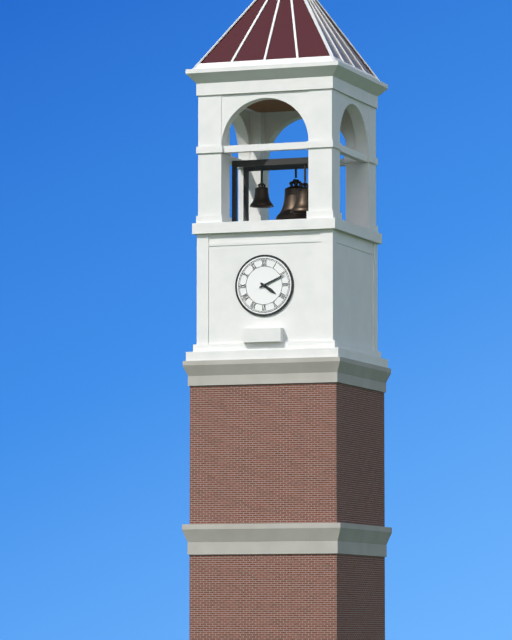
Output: 4h11
